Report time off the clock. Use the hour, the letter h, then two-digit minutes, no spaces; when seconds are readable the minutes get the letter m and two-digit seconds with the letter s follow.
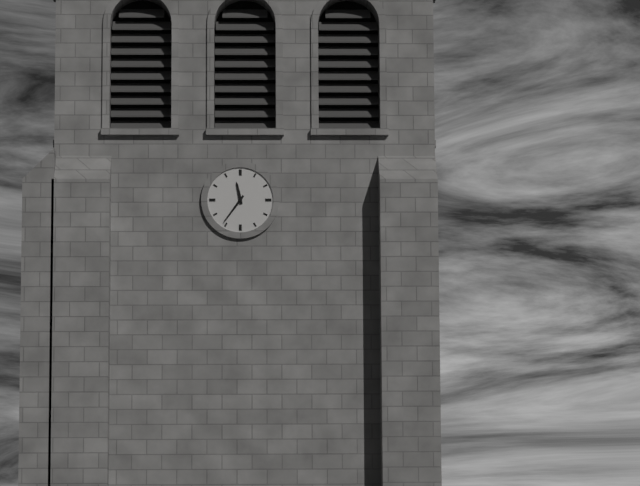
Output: 11h36
